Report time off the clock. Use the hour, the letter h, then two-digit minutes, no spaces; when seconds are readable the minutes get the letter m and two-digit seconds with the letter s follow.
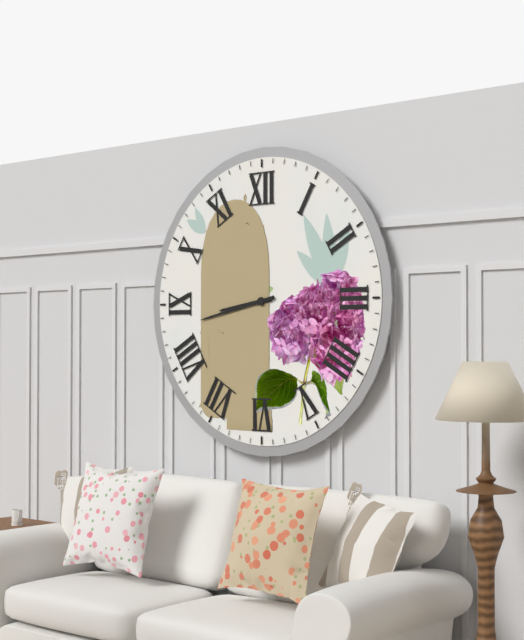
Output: 8h43
